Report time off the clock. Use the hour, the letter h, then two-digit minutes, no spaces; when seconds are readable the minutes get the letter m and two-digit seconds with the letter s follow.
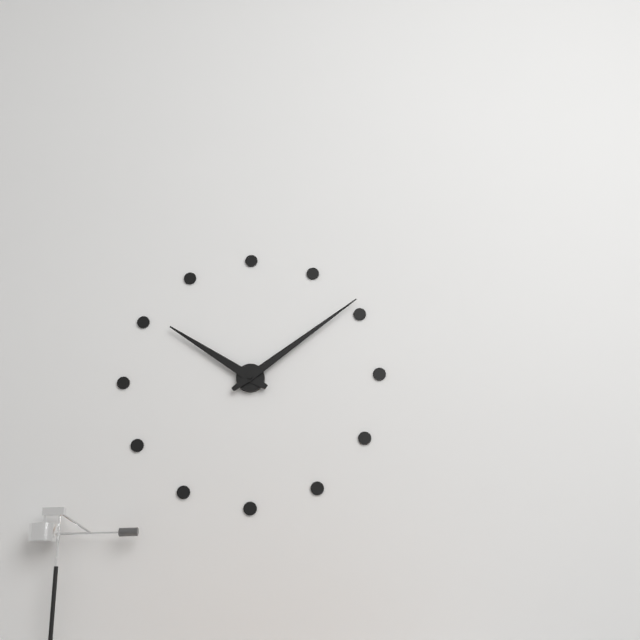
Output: 10h09
